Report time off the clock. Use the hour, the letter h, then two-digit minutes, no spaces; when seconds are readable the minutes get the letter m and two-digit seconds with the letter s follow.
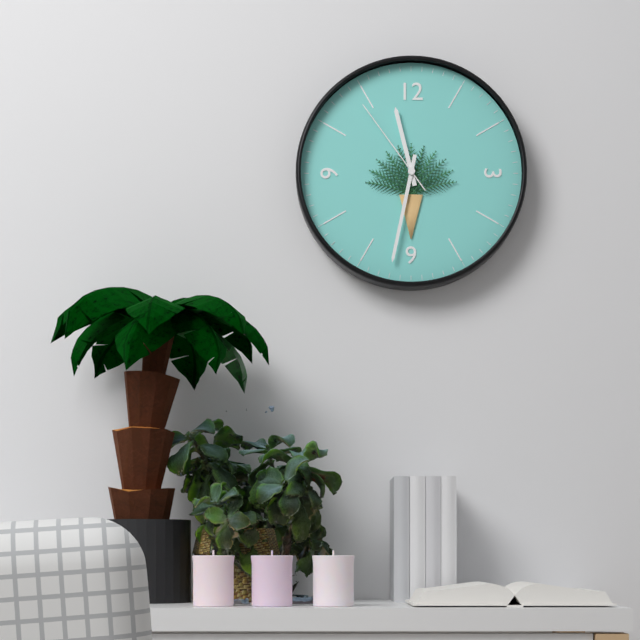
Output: 11h32m54s
